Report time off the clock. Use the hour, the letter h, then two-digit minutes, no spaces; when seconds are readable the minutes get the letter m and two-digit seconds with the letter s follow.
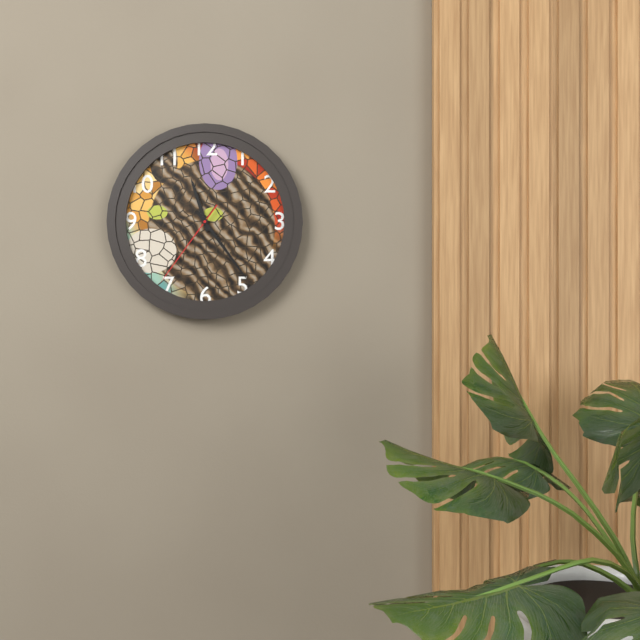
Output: 11h24m36s
